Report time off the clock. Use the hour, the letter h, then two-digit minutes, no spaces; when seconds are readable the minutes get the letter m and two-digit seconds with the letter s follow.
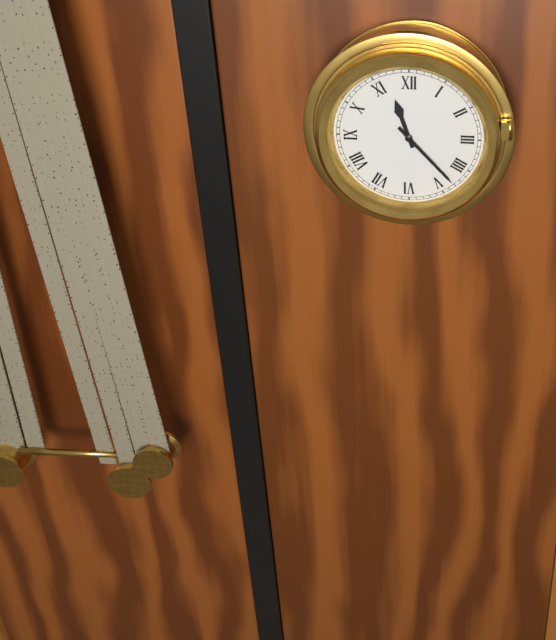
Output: 11h23
